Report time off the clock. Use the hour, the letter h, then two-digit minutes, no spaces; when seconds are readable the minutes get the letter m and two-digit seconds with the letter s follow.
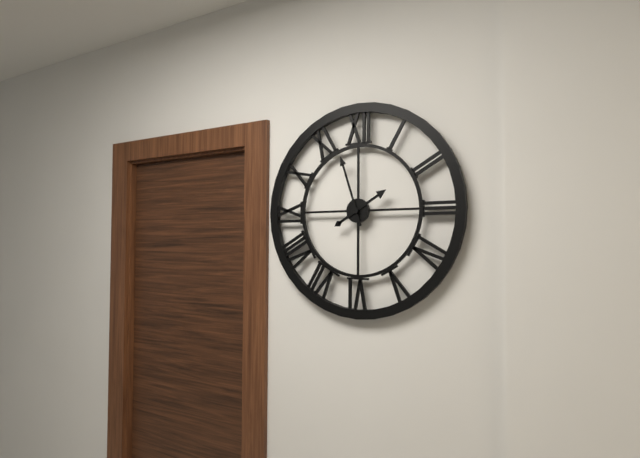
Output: 1h57
